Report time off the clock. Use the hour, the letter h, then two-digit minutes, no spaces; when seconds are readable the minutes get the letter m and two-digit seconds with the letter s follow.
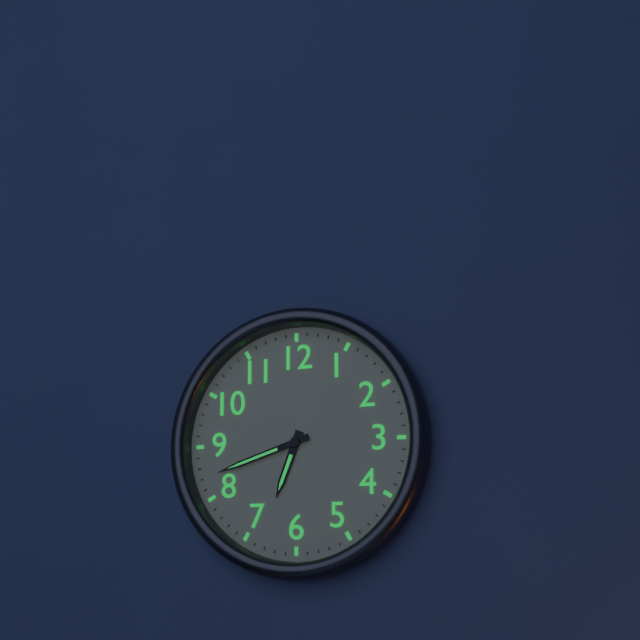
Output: 6h42
